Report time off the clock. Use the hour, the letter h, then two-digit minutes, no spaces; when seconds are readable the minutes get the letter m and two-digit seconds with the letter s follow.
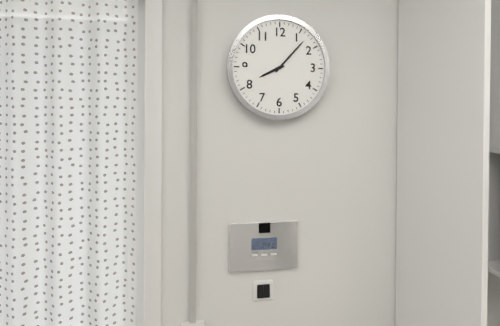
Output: 8h07
